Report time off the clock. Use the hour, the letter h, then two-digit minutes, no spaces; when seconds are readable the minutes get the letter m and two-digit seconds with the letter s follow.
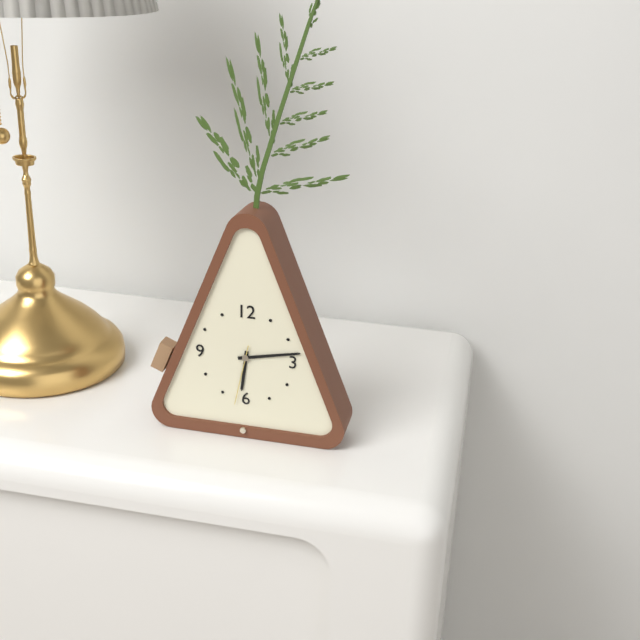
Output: 6h13m32s
